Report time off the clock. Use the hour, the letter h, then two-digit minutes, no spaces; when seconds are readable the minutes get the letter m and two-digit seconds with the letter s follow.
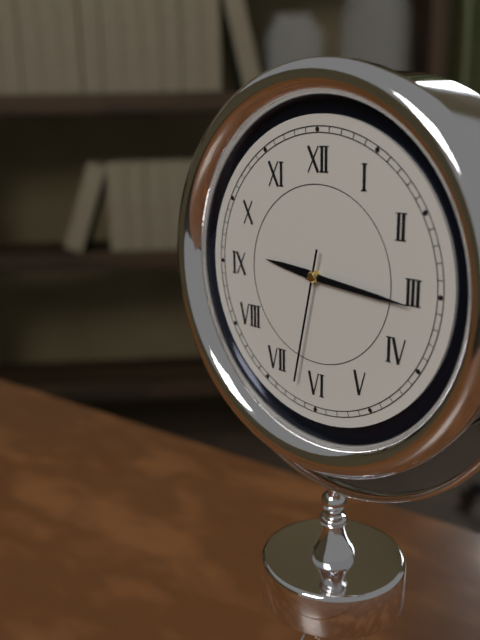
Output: 9h16m32s
